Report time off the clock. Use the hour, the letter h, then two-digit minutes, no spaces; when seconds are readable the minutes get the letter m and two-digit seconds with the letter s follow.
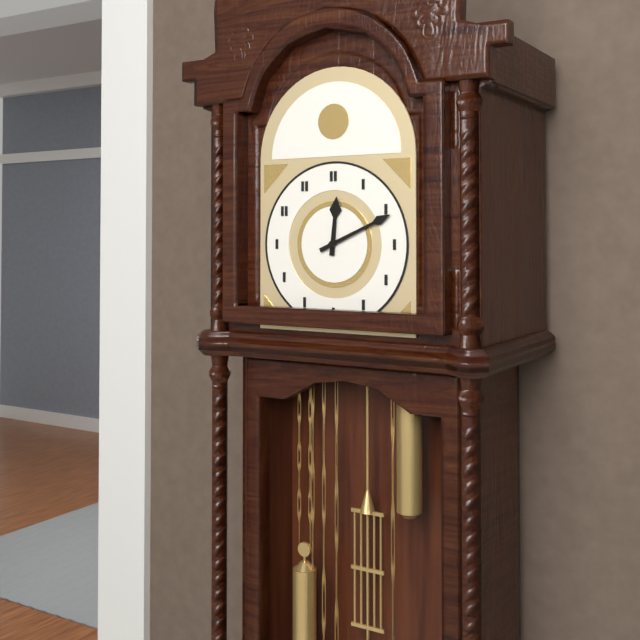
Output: 12h11
